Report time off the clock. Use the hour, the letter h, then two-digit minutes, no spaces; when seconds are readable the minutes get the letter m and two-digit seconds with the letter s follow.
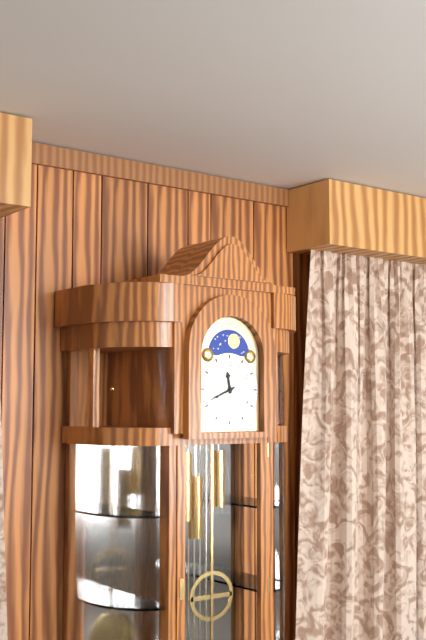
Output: 11h41
